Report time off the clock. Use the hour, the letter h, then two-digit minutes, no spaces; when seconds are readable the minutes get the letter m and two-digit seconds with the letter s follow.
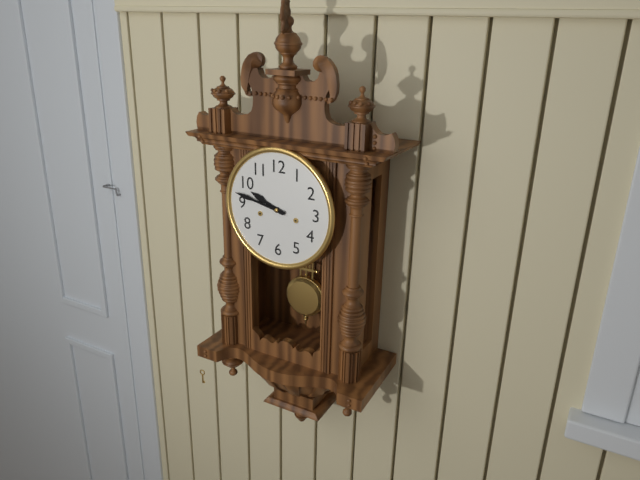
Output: 9h47
